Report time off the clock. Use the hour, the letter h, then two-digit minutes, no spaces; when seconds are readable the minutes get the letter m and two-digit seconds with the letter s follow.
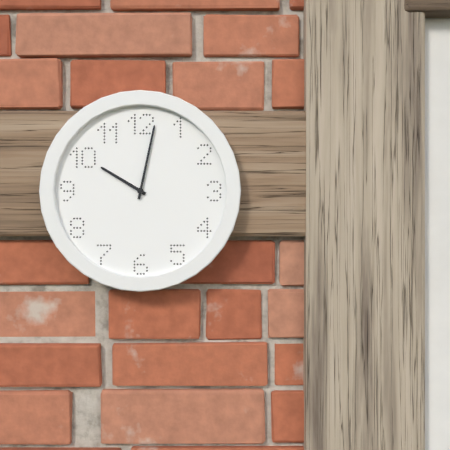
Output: 10h02
